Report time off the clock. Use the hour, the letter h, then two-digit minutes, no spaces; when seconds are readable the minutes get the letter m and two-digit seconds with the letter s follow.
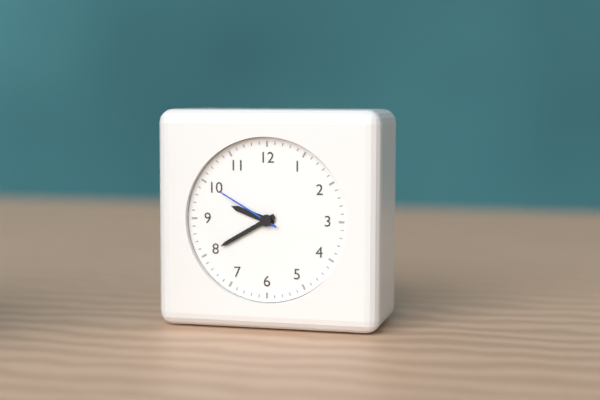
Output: 9h40m50s
